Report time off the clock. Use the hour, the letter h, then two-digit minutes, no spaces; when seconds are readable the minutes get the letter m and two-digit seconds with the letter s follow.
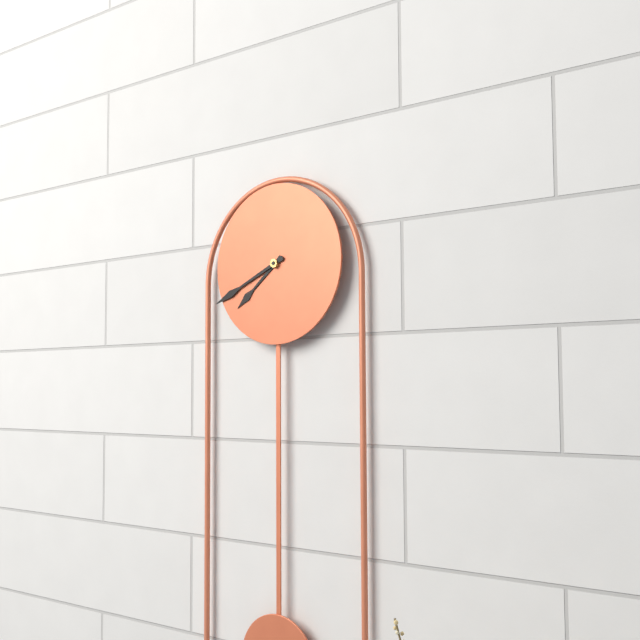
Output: 7h41
